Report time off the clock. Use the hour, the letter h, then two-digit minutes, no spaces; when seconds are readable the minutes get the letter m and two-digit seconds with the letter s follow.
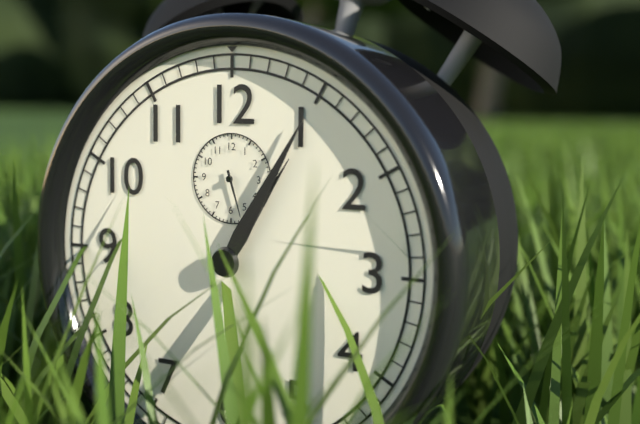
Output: 1h05
